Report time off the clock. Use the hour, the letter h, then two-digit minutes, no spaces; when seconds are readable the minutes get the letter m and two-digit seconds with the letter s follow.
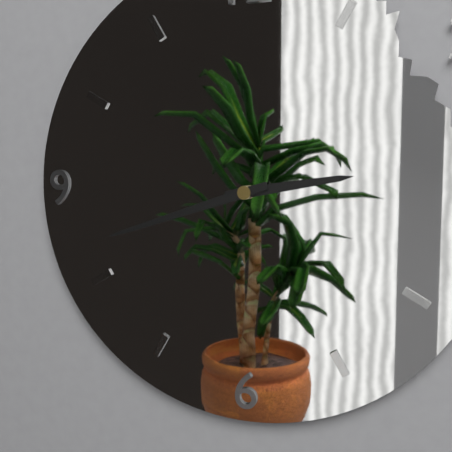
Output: 2h42
